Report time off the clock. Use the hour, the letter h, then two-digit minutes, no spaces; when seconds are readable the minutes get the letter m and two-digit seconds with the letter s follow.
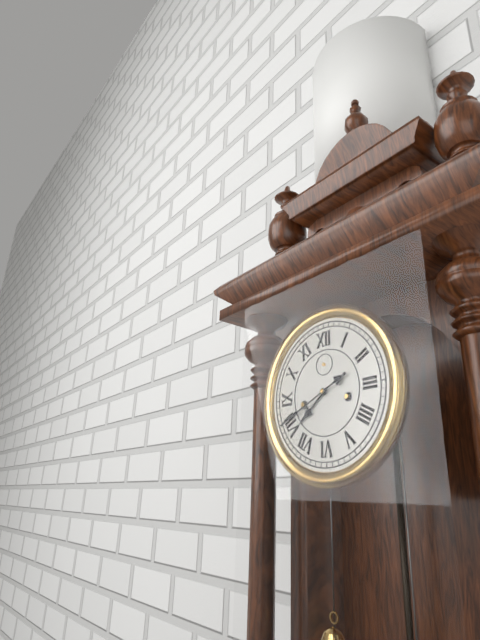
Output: 7h41
